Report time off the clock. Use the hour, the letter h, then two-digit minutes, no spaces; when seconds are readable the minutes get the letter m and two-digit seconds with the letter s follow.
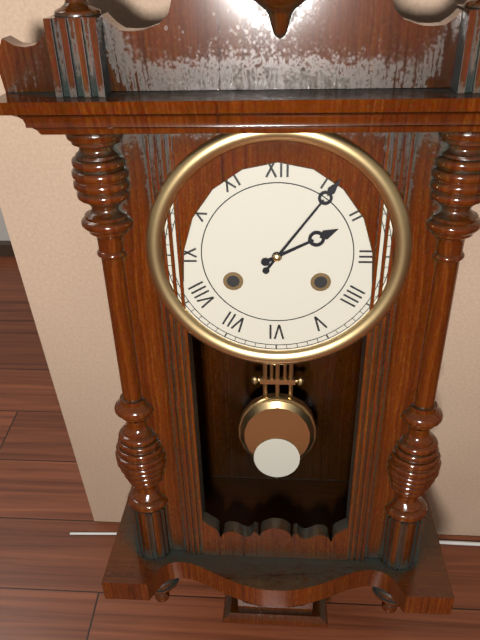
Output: 2h06
